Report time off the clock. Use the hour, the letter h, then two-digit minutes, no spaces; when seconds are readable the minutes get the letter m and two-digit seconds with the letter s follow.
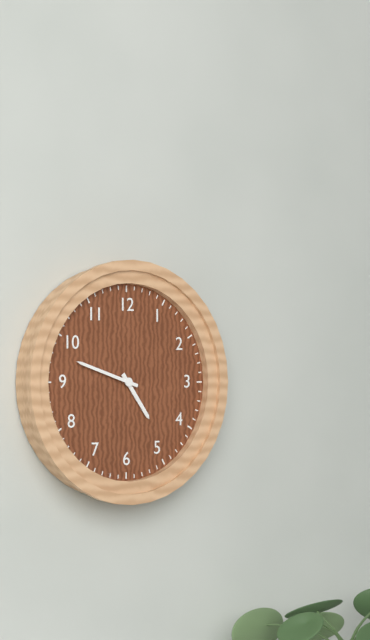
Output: 4h48
